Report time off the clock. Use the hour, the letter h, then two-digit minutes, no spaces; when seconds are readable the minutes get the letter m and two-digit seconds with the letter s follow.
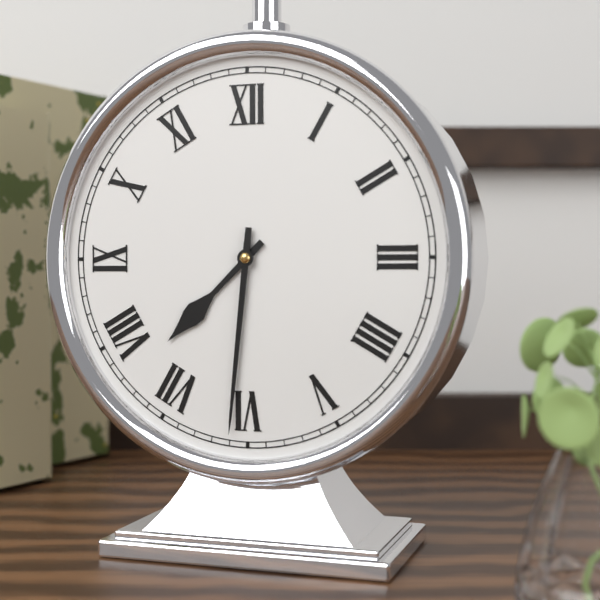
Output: 7h31
